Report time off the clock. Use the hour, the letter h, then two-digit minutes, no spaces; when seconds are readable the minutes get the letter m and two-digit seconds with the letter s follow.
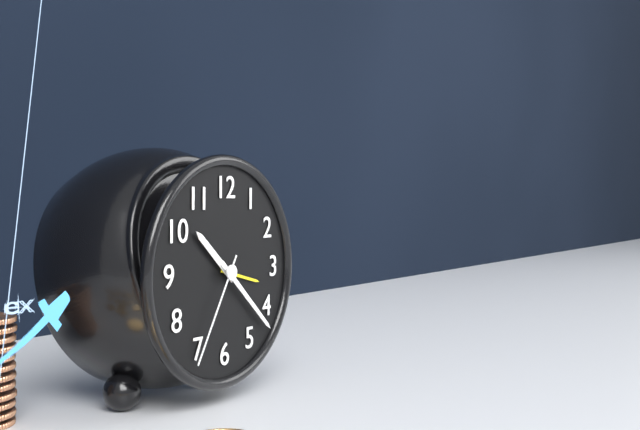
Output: 10h22m35s
